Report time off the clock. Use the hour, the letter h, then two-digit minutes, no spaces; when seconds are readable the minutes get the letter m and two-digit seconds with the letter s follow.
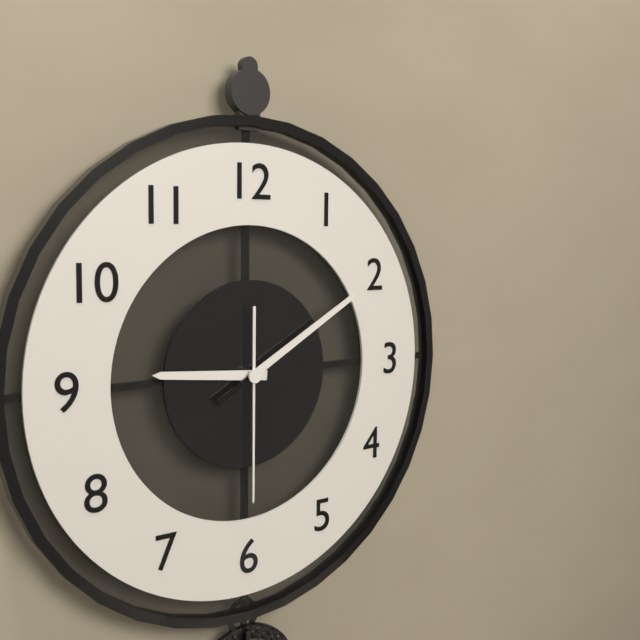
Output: 9h10m30s
